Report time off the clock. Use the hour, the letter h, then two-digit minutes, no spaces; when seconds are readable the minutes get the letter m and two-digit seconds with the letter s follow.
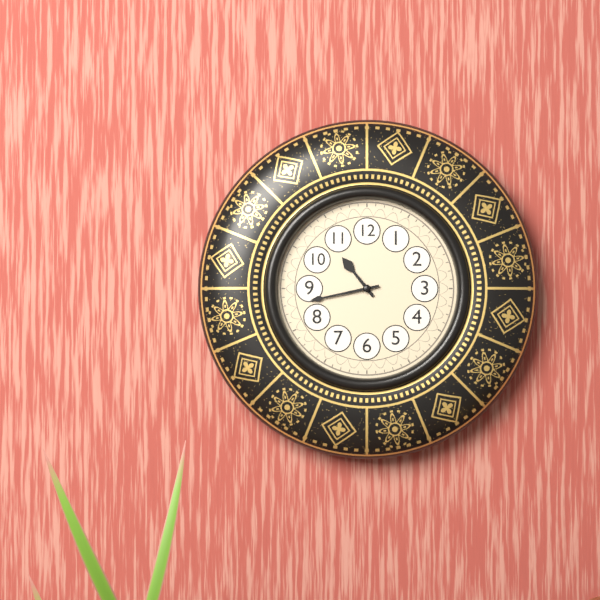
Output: 10h43
